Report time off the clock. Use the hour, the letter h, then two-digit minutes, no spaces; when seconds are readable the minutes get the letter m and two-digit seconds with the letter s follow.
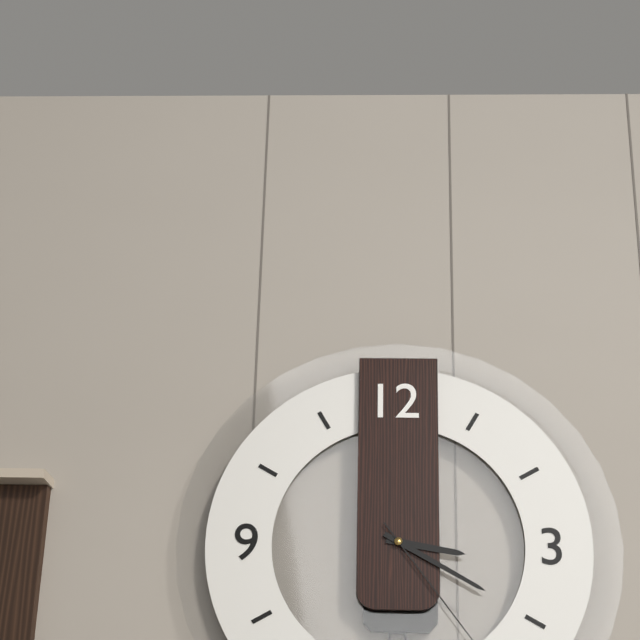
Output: 3h20
